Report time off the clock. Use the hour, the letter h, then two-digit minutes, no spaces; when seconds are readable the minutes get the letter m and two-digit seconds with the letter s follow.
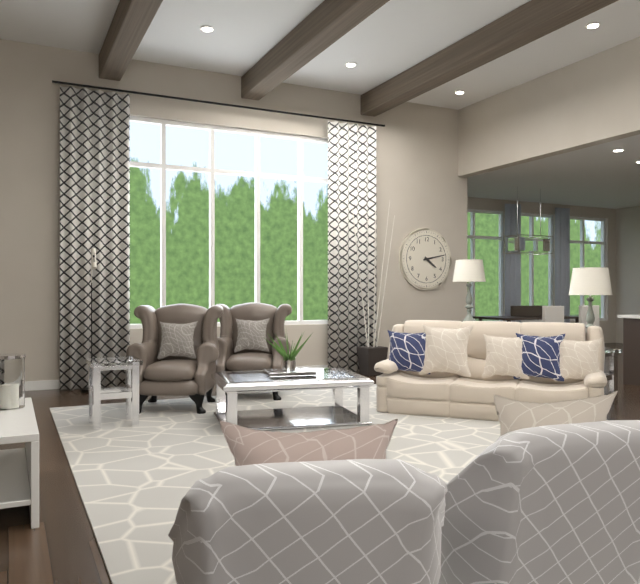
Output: 4h13
